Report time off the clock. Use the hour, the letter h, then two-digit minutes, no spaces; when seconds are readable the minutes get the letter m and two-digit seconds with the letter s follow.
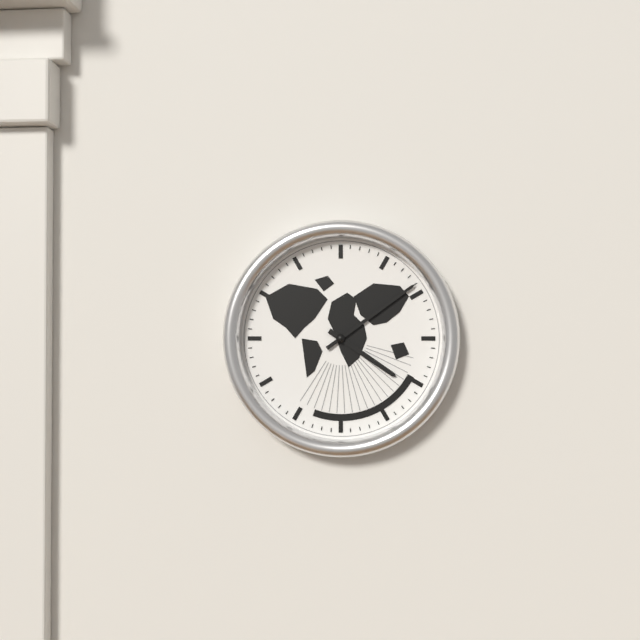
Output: 4h09
